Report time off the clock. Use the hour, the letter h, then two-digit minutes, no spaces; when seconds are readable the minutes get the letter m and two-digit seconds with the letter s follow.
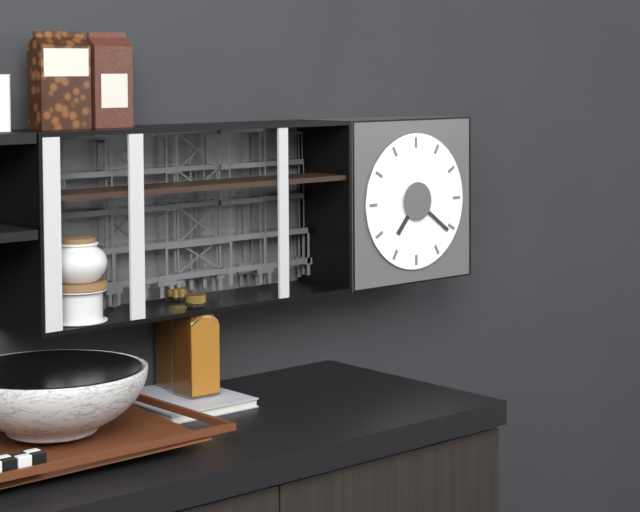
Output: 7h21
